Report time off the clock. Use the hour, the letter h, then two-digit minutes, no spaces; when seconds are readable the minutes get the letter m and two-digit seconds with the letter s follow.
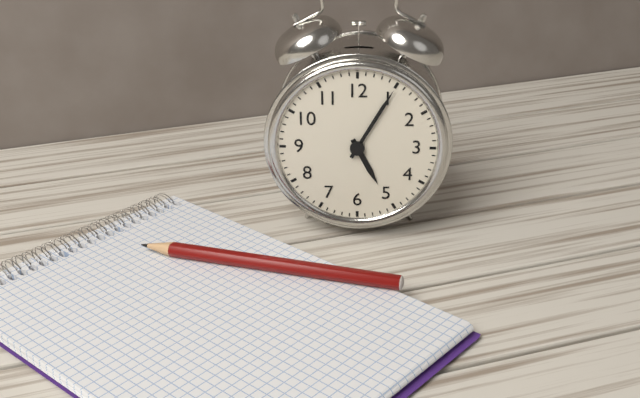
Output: 5h05
